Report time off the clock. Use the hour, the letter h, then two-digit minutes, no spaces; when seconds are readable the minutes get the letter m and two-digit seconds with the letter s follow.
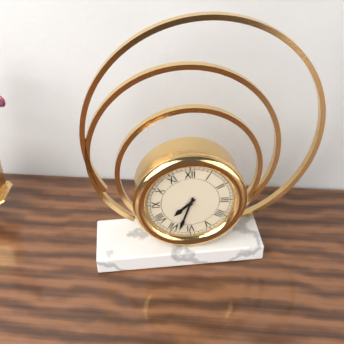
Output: 7h33
